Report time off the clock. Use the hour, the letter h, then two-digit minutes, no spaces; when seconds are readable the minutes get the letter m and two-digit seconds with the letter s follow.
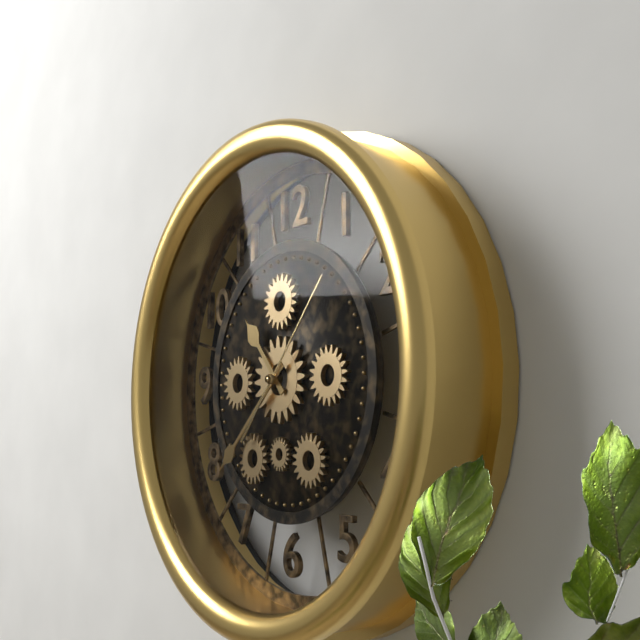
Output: 10h38m07s
